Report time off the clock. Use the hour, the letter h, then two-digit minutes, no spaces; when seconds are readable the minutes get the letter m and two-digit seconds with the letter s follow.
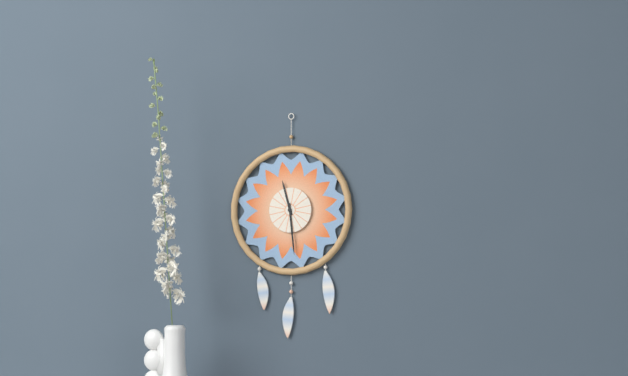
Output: 11h29
